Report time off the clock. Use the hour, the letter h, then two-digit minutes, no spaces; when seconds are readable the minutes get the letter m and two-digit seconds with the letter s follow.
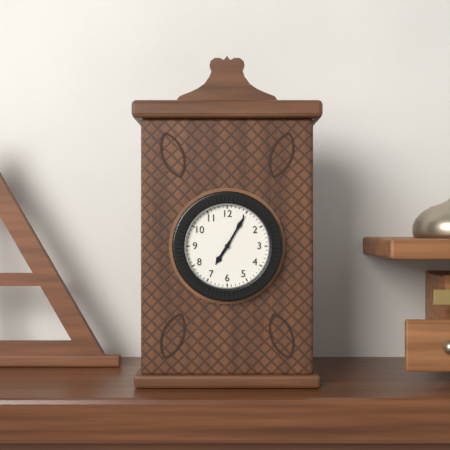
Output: 7h05
